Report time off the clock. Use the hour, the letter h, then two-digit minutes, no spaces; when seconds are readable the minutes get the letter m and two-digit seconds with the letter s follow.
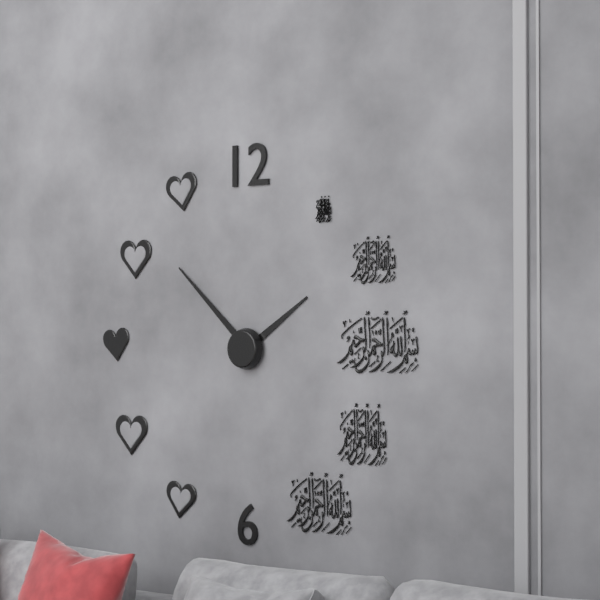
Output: 1h52
